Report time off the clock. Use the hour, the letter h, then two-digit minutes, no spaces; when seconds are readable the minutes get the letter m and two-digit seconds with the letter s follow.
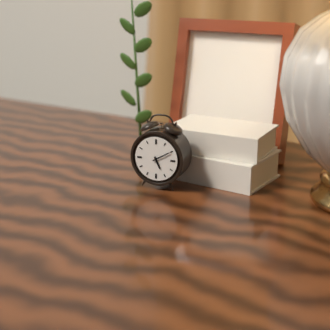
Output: 5h10
